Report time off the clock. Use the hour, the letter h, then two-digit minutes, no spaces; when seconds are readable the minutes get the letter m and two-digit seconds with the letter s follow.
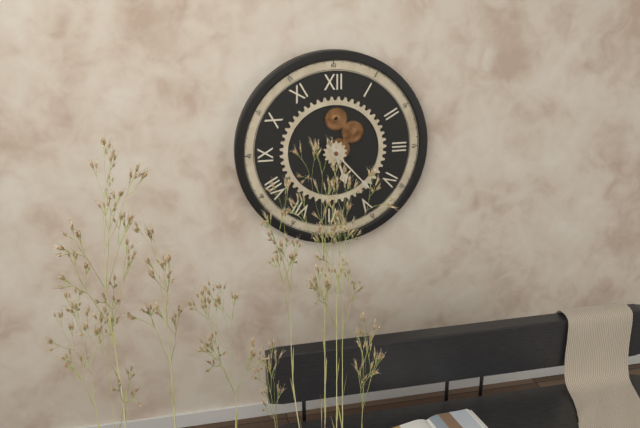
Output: 5h23
